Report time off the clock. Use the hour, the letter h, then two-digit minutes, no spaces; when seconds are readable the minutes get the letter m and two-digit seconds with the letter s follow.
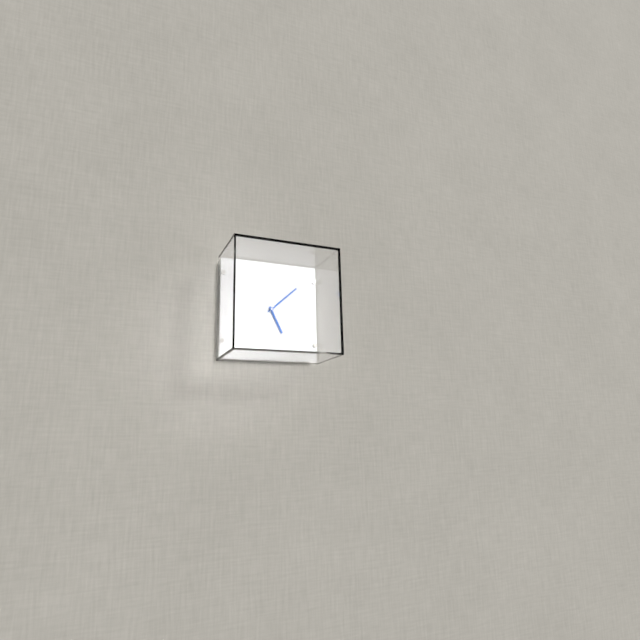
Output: 5h08
